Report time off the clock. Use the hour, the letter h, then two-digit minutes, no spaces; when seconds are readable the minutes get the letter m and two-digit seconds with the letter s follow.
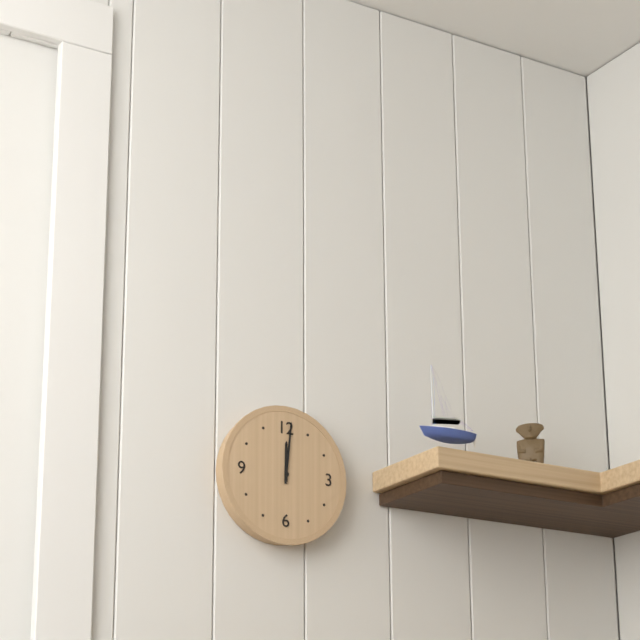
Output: 12h01
